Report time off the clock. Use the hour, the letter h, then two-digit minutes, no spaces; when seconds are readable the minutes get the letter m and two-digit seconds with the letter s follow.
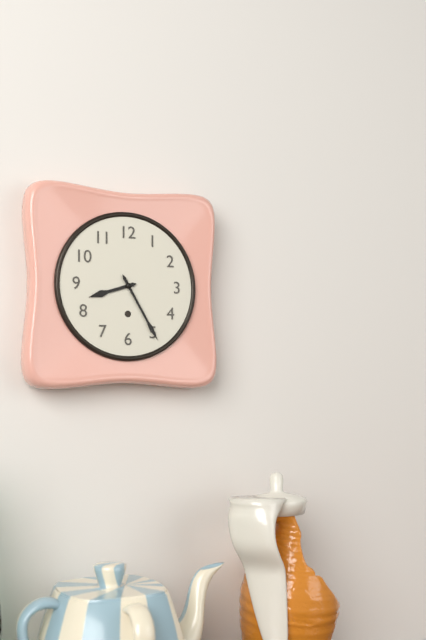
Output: 8h25
